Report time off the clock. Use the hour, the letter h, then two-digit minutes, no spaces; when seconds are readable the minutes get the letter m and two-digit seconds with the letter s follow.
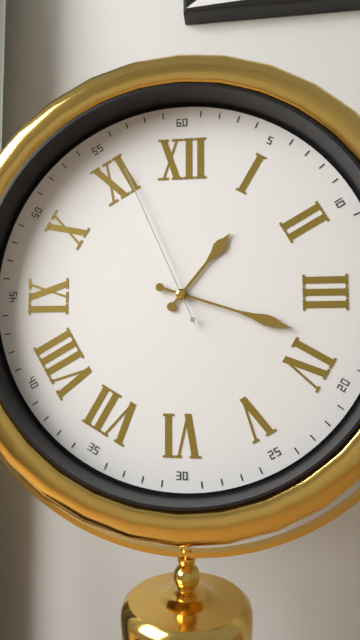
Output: 1h18m56s
